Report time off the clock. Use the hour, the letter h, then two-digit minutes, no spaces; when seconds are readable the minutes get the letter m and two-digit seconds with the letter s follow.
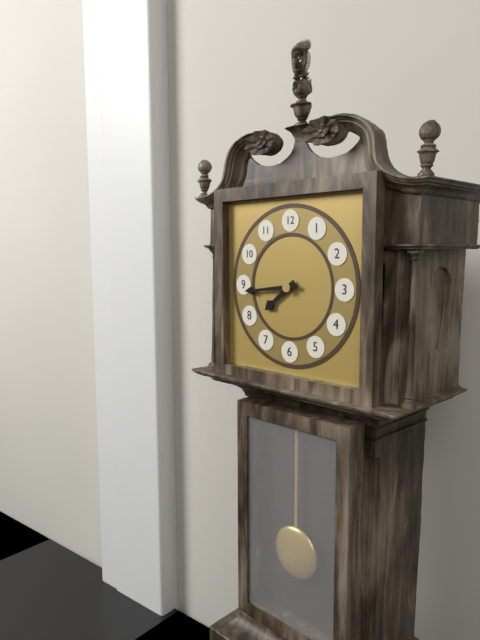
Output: 7h44
